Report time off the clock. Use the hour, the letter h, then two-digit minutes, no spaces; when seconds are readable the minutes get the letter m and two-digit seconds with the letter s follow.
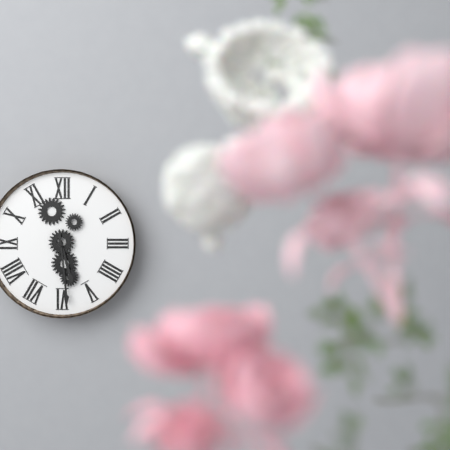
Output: 5h29
